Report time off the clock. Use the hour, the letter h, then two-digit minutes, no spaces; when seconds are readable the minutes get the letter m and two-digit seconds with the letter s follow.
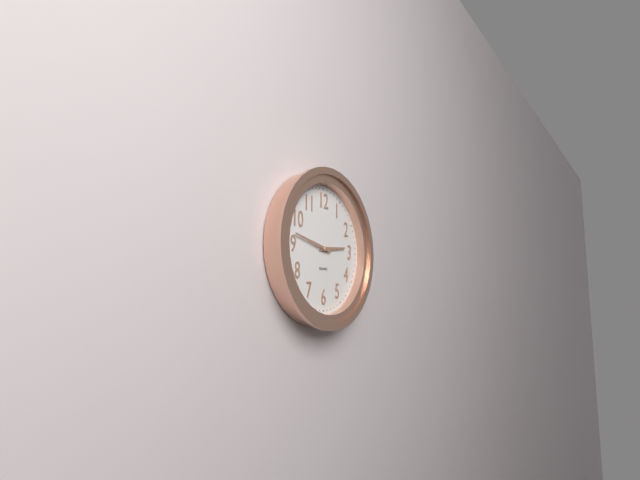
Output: 2h47
